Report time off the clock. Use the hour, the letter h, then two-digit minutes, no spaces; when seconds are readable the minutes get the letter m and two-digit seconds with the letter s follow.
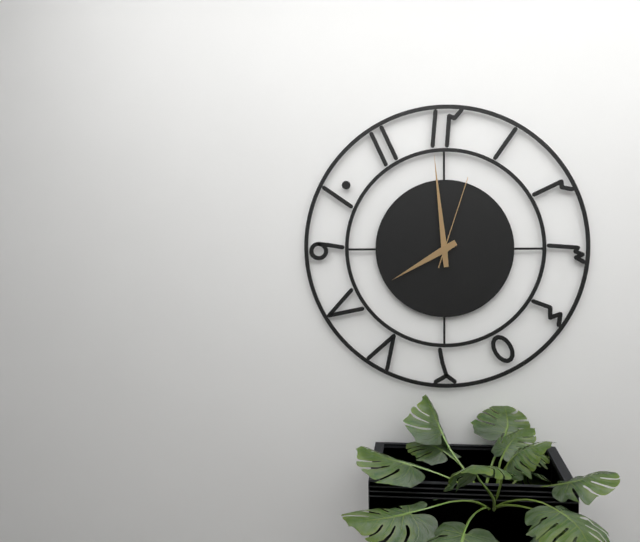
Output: 7h59m03s
